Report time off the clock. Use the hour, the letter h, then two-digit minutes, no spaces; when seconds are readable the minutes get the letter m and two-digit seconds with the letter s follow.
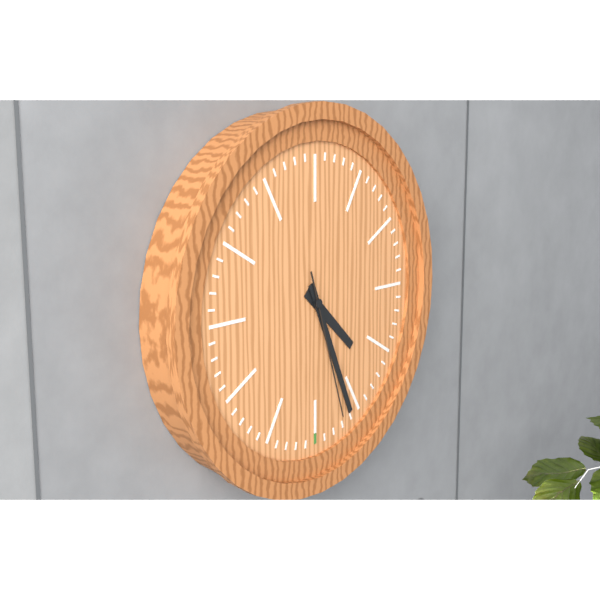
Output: 4h26m27s
